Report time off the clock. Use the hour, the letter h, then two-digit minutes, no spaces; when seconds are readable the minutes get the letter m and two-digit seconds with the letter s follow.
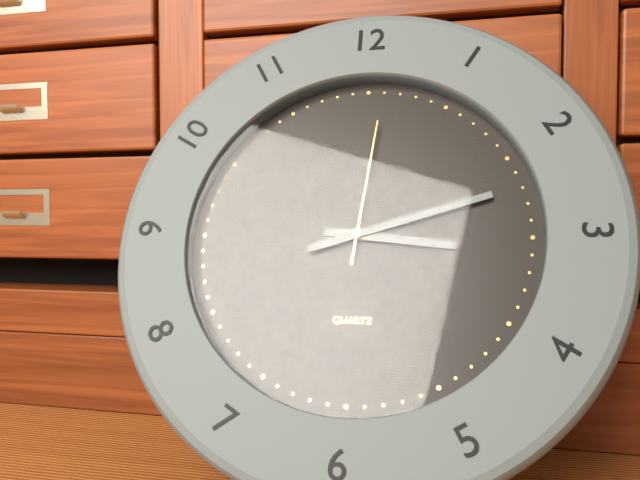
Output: 3h12m01s
